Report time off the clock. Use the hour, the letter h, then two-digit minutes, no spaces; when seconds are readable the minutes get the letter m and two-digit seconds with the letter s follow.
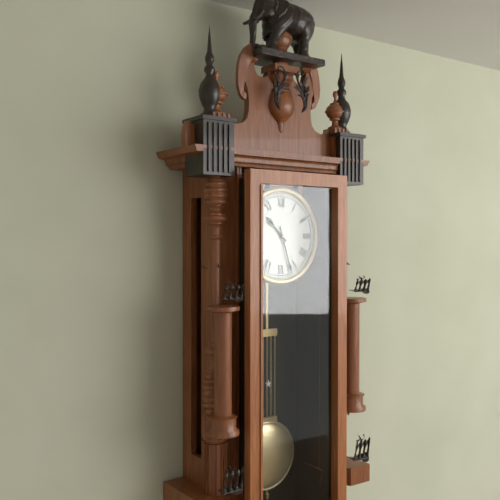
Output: 10h27
